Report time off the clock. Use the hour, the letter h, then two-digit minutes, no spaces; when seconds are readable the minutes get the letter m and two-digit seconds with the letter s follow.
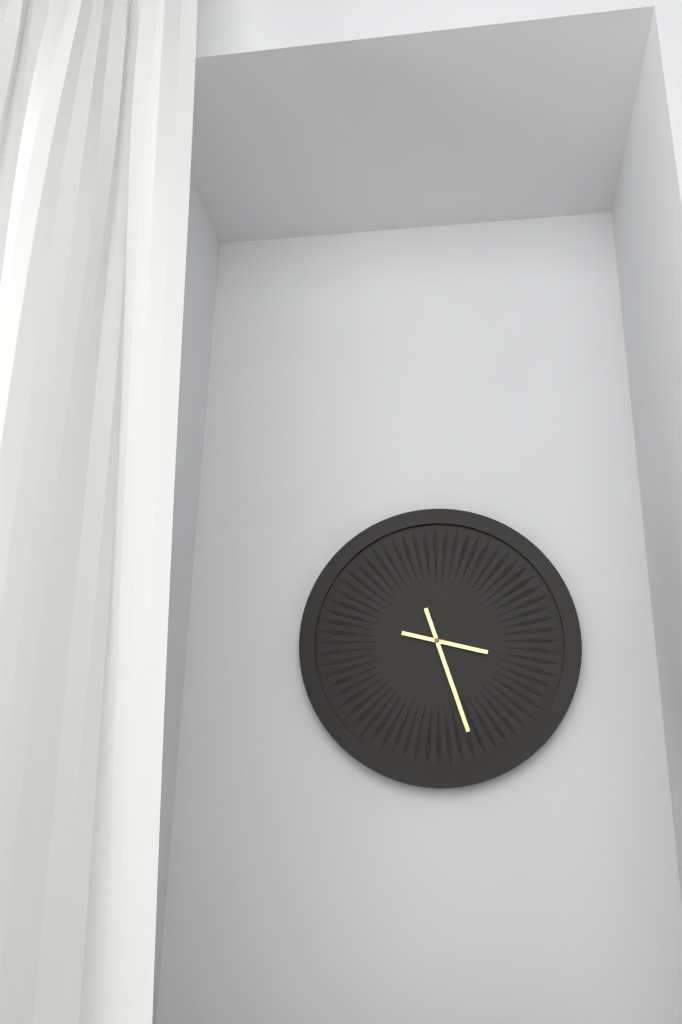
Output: 3h27
